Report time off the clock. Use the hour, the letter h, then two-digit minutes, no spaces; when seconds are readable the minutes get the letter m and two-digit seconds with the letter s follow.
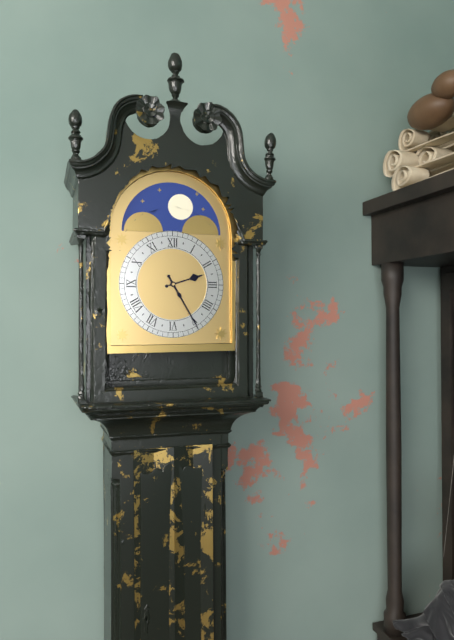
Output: 2h25
